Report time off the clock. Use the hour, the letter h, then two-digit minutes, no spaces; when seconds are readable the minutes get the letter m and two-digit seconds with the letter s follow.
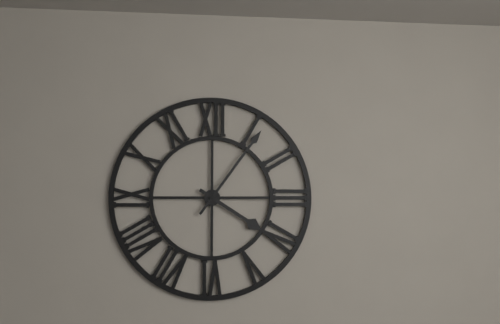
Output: 4h06
